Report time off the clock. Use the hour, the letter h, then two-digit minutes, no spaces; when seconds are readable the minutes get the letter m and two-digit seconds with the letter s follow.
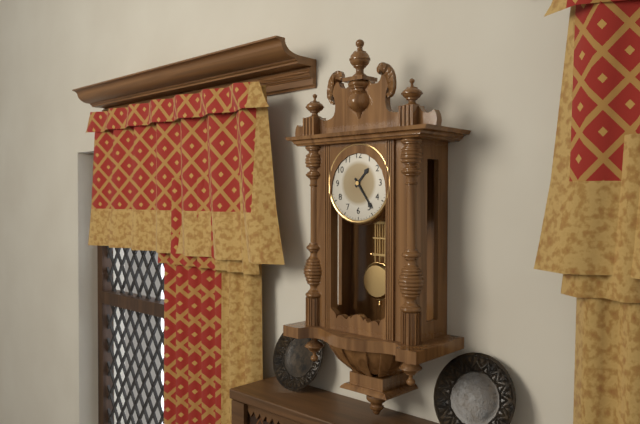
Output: 1h24
